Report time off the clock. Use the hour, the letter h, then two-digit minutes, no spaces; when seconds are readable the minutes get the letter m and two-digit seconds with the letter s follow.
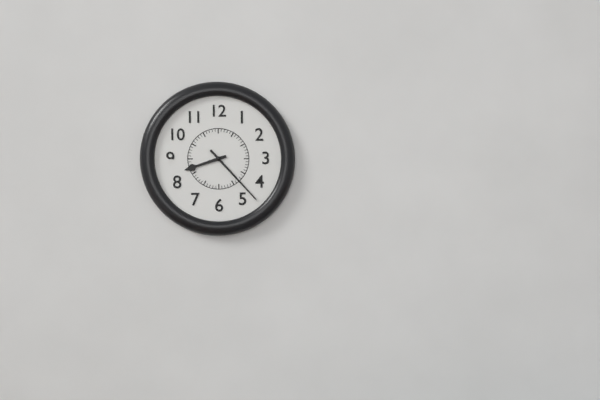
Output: 8h23
